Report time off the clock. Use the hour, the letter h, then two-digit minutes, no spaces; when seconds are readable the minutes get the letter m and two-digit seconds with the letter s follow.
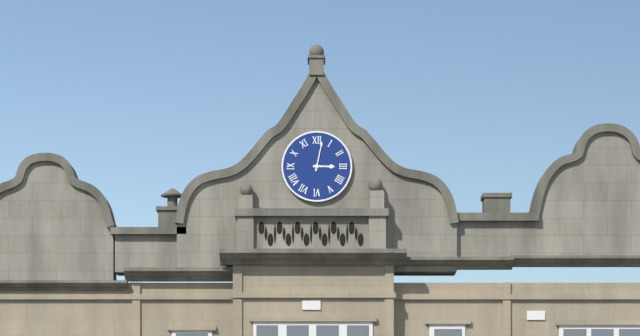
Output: 3h02
